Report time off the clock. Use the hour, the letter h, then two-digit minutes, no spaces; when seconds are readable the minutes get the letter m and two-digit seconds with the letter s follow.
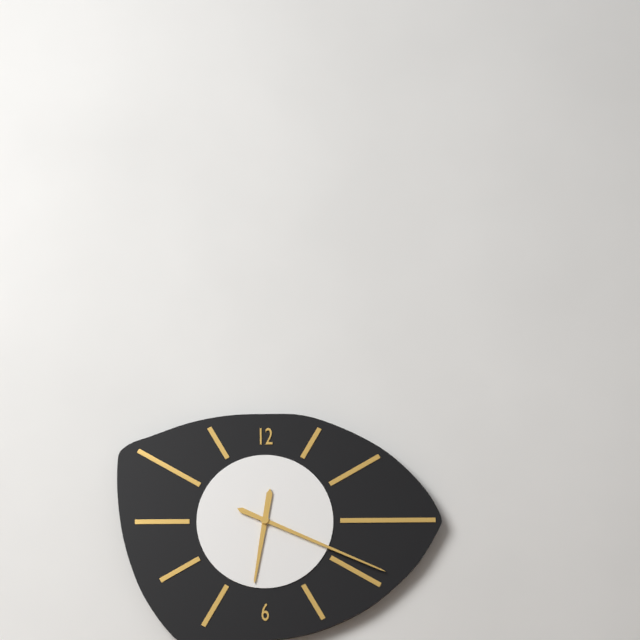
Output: 6h19
